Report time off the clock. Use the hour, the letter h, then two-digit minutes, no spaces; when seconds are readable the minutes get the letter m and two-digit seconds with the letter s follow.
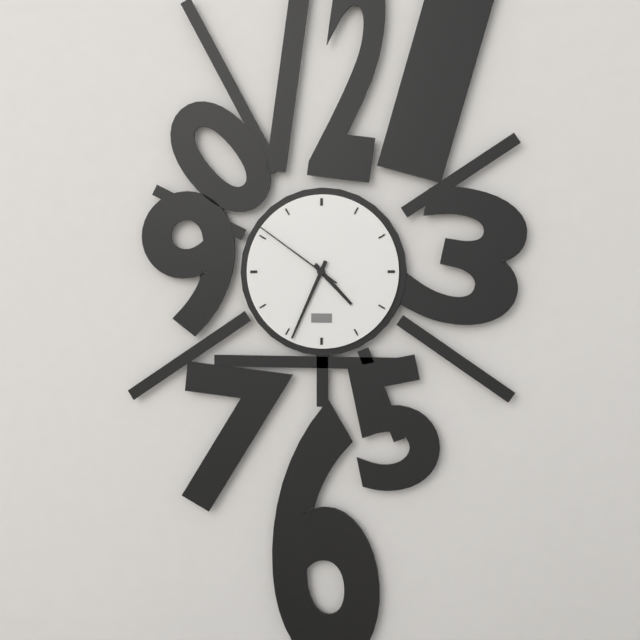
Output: 4h34m51s
